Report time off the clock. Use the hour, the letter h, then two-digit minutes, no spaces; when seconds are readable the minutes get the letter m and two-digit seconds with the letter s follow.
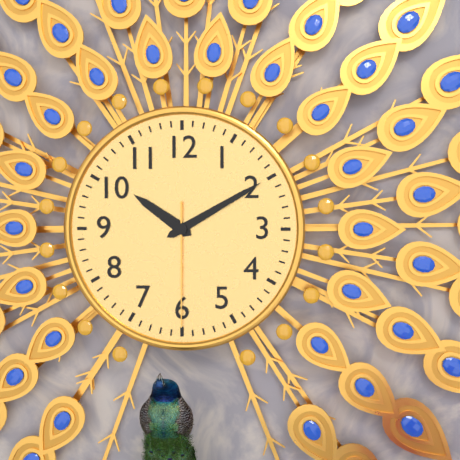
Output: 10h10m30s
